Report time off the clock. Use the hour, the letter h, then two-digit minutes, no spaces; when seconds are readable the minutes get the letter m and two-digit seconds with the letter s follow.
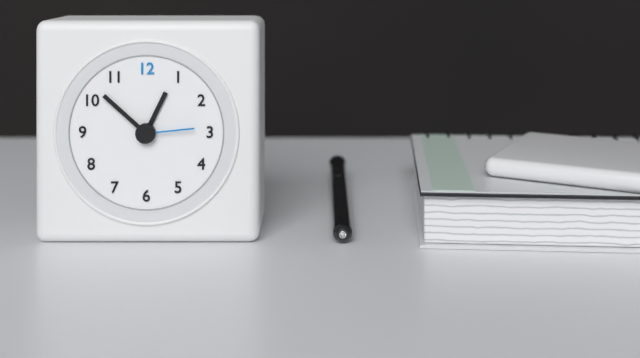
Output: 12h52m14s
